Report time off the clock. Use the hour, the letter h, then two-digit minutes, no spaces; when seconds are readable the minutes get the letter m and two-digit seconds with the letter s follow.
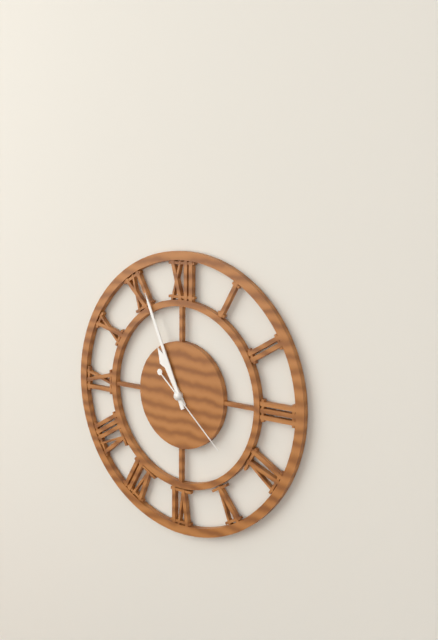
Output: 10h56m22s
